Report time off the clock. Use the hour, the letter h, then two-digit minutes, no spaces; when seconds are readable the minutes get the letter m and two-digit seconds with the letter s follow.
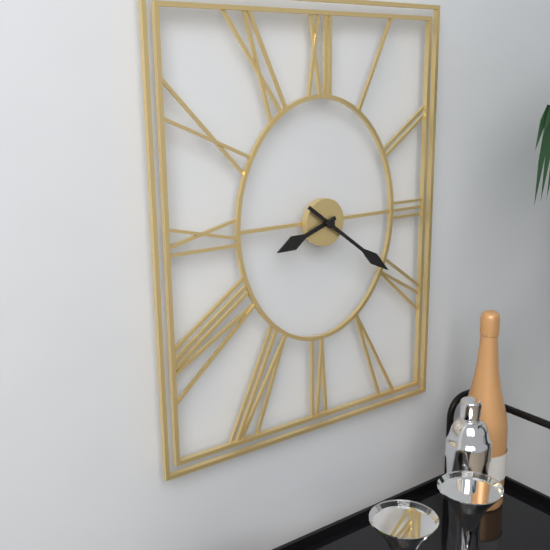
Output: 8h21
